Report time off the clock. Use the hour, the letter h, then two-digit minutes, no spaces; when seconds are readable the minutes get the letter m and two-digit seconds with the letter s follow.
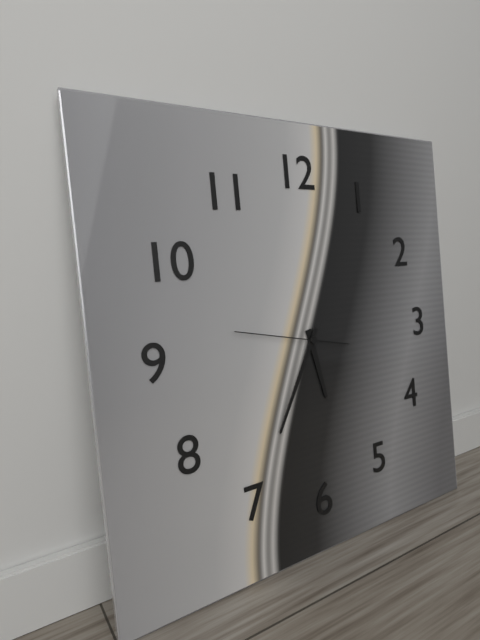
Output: 5h35m47s
